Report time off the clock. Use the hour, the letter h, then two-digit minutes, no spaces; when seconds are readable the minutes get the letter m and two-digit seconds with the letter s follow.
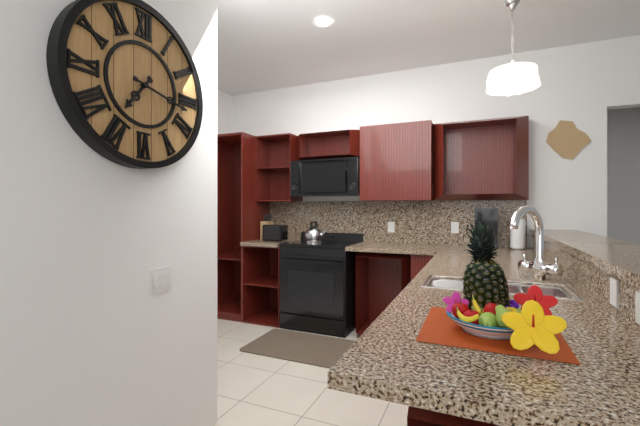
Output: 7h17
